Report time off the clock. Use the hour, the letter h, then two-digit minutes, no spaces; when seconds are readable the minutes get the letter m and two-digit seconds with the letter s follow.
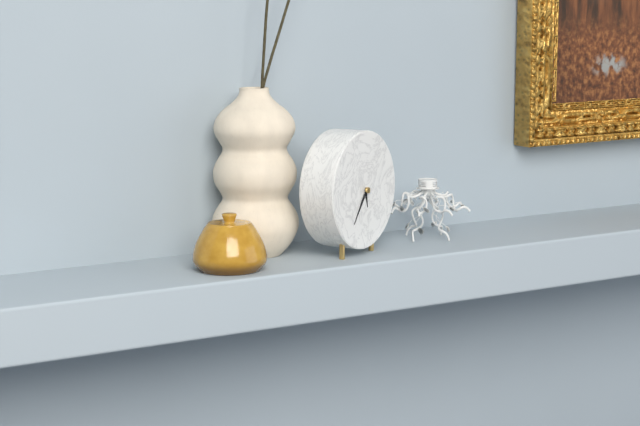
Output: 5h36
